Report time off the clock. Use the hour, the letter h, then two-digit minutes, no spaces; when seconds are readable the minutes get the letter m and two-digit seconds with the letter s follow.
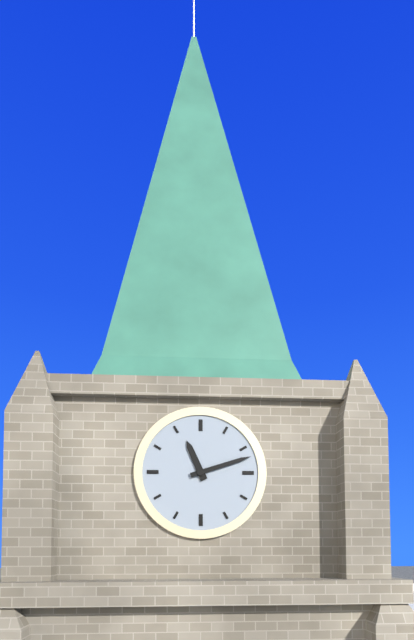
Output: 11h12
